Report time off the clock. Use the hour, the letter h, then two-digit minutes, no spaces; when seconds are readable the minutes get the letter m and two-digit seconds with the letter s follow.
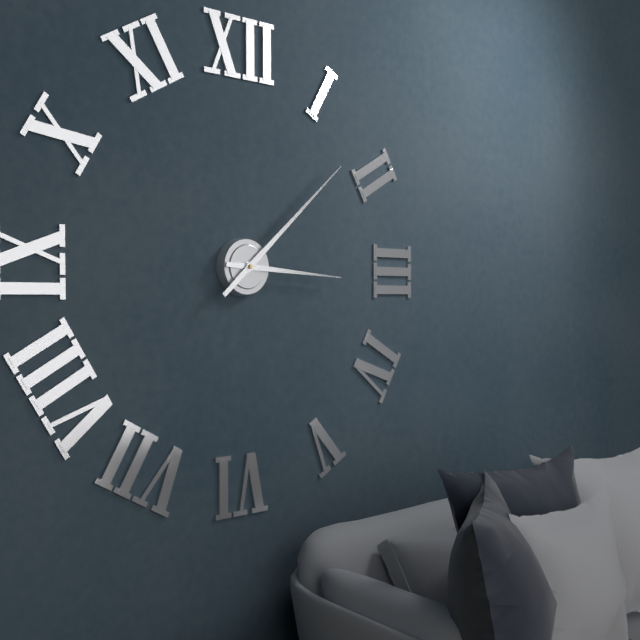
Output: 3h08
